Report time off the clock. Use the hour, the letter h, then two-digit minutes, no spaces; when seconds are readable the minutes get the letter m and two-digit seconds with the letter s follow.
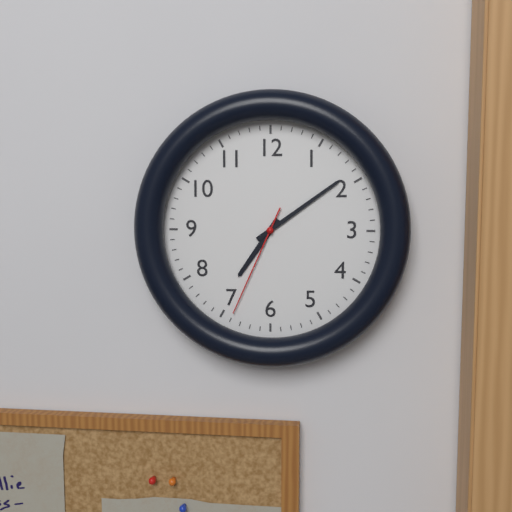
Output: 7h09m34s
